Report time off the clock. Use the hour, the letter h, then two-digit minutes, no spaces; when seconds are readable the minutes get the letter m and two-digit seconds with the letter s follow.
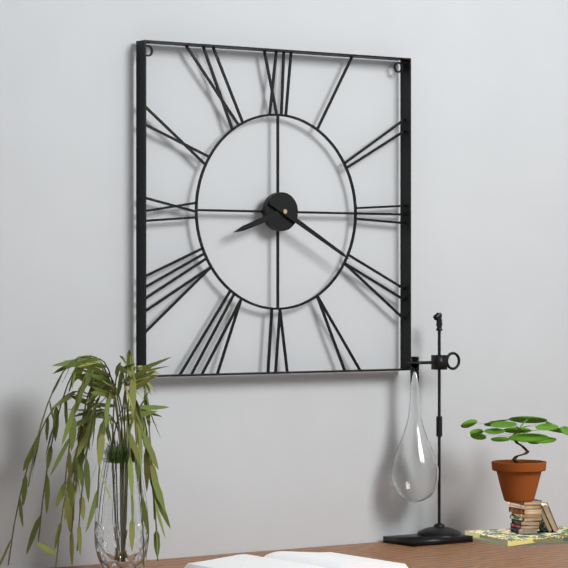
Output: 8h20
